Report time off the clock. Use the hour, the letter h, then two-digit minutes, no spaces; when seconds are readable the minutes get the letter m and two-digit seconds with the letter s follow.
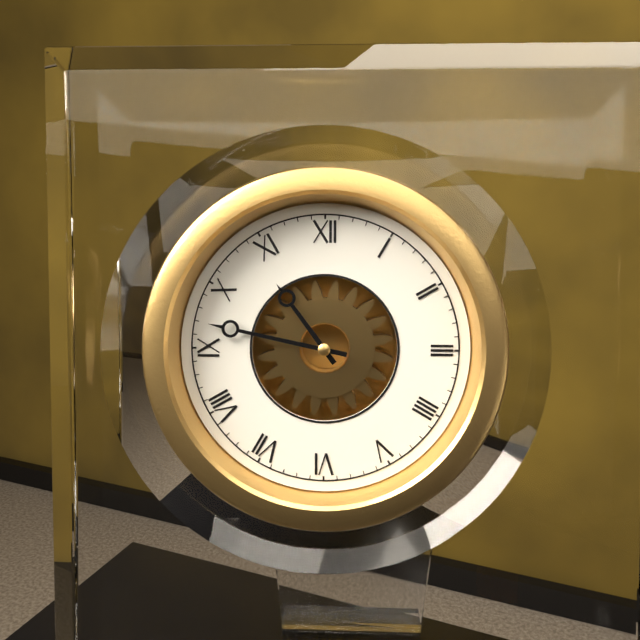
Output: 10h47
